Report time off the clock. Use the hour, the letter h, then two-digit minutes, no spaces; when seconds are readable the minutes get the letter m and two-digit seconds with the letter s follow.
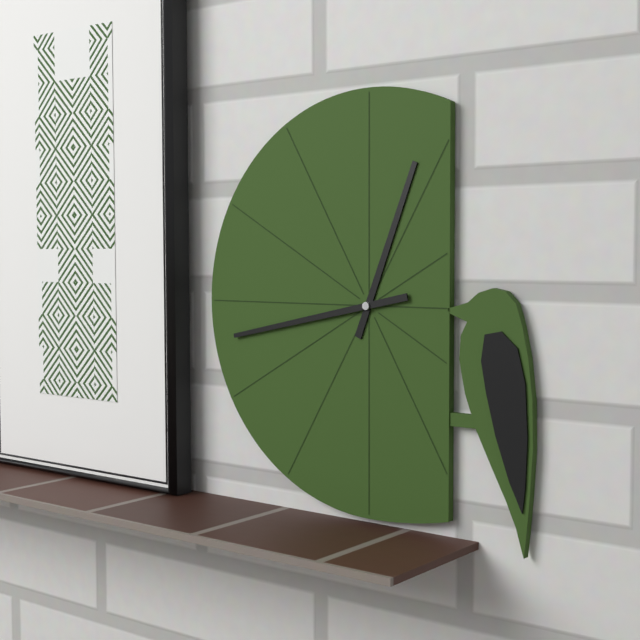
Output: 12h43
